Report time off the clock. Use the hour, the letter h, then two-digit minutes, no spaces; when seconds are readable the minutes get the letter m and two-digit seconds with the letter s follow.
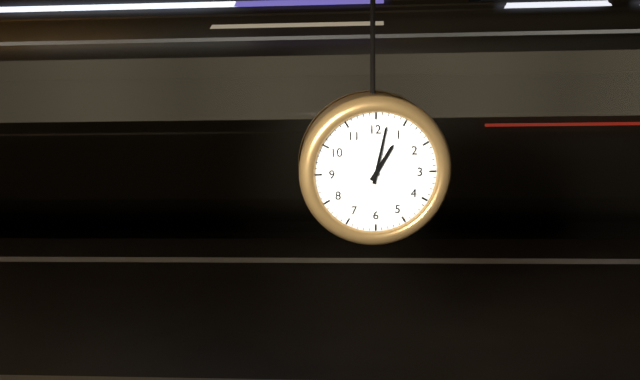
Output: 1h02
